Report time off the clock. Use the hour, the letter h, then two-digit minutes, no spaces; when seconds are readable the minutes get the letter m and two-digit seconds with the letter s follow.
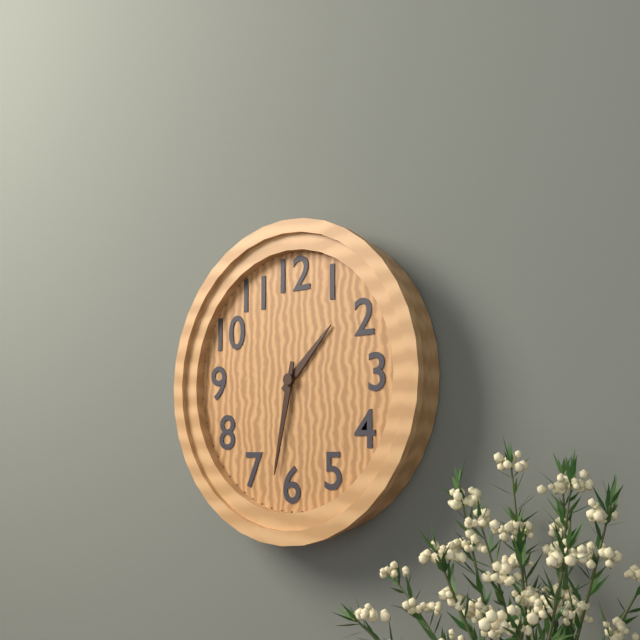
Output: 1h32
